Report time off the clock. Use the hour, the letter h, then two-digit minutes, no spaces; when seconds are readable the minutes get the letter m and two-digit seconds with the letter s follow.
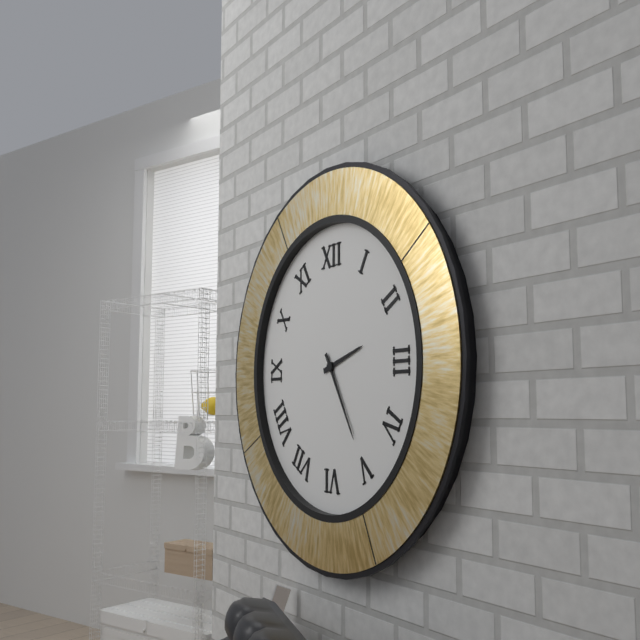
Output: 2h25
